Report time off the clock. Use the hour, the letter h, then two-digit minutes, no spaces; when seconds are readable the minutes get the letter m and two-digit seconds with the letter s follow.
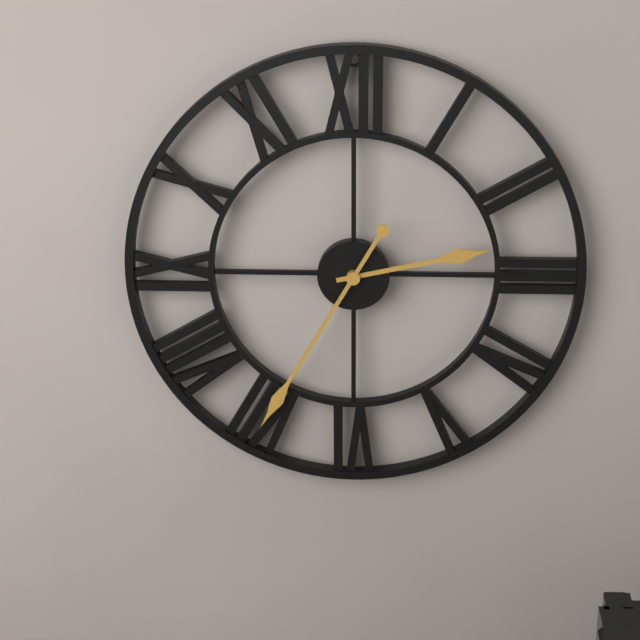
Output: 2h35
